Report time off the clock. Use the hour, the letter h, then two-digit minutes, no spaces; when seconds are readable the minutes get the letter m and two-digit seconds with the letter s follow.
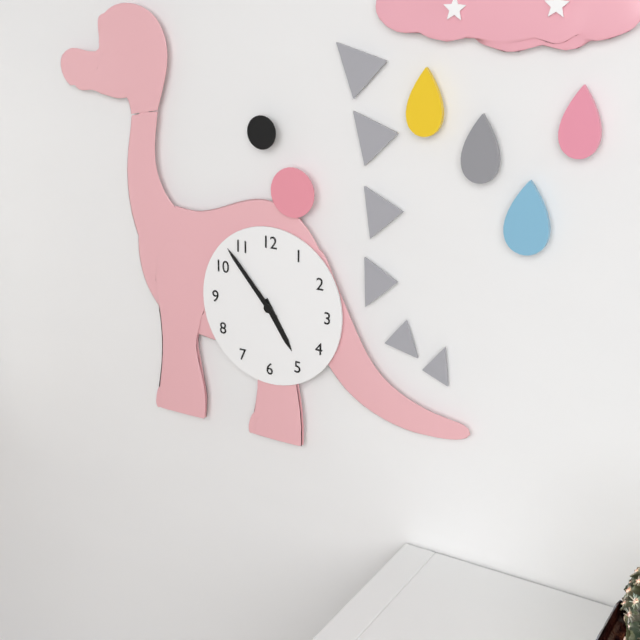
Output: 4h53
